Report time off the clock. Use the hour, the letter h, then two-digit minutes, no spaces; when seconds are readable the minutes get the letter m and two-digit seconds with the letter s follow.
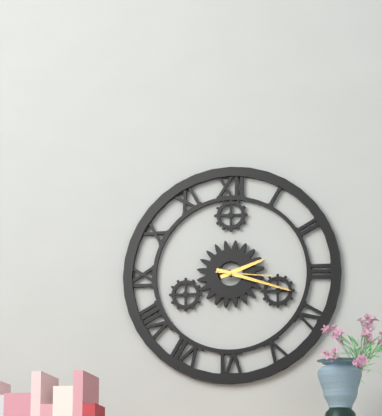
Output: 2h18m16s
